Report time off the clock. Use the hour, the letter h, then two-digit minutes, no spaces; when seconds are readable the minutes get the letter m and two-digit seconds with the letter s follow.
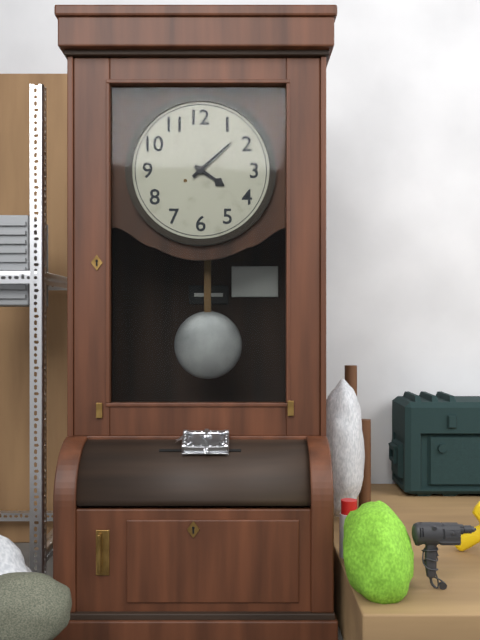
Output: 4h08
